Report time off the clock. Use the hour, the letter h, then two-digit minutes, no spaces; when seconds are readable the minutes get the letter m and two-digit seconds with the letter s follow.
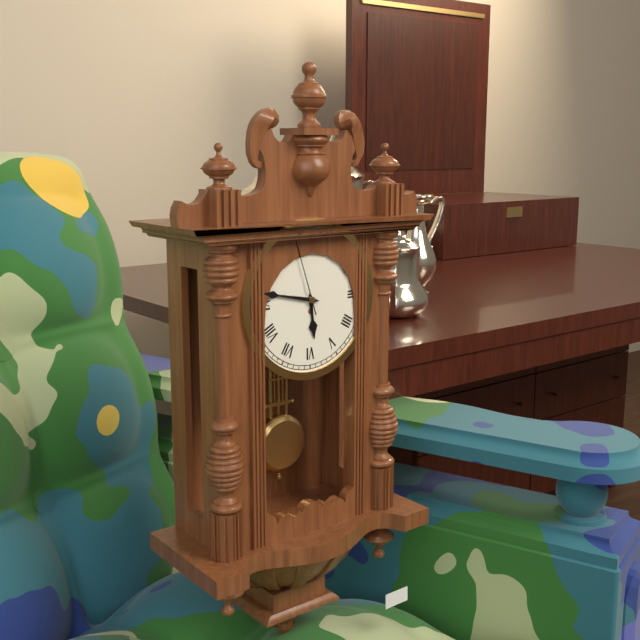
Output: 5h47m57s
